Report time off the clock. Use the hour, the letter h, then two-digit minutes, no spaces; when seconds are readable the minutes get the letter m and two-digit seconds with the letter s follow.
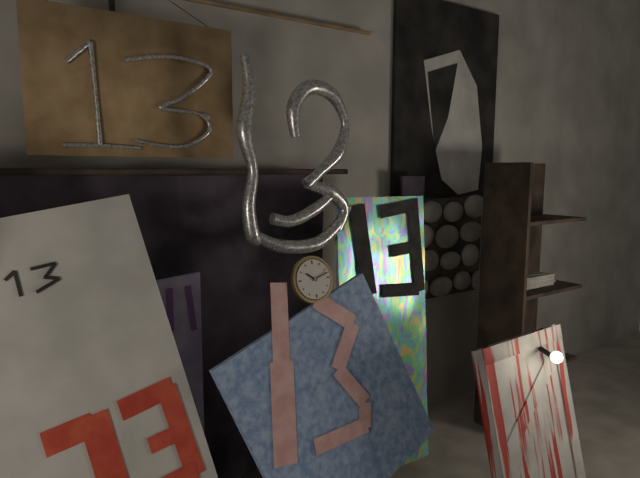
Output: 10h12
